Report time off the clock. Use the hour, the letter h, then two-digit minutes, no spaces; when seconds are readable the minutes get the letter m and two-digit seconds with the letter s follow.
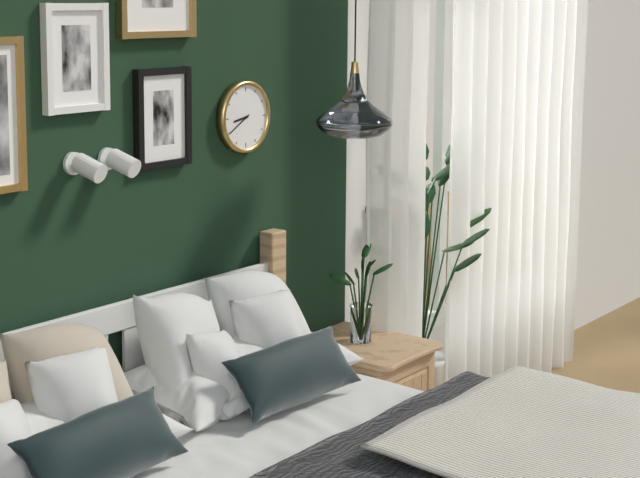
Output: 8h40
